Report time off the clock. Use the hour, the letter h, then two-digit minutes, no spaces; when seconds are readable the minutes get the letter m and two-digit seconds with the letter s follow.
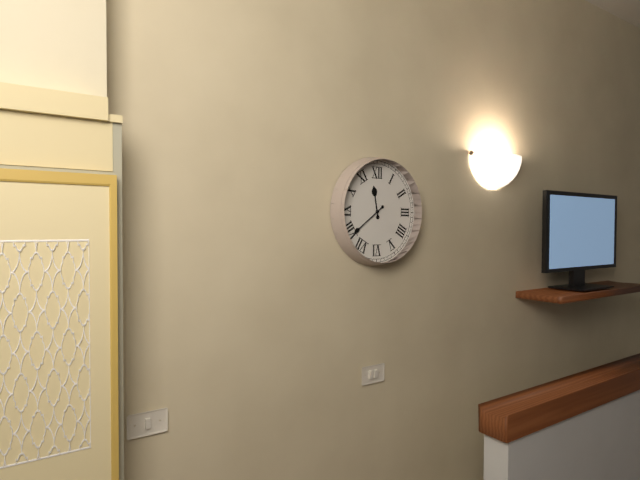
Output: 11h39
